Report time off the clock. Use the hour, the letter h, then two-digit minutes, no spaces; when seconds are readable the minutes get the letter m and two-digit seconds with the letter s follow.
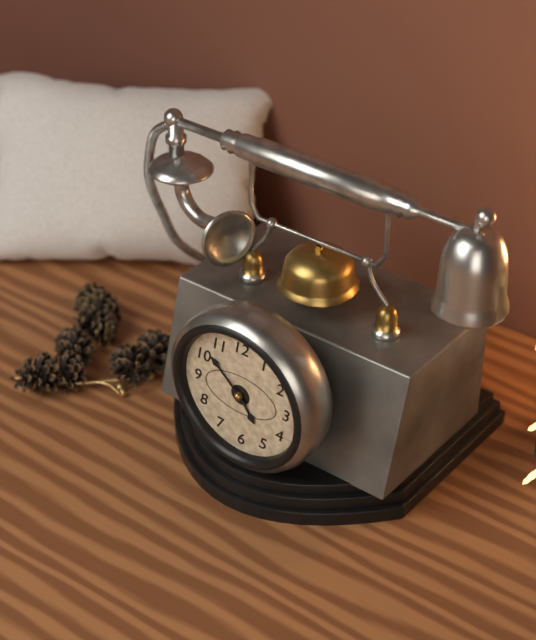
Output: 4h52
